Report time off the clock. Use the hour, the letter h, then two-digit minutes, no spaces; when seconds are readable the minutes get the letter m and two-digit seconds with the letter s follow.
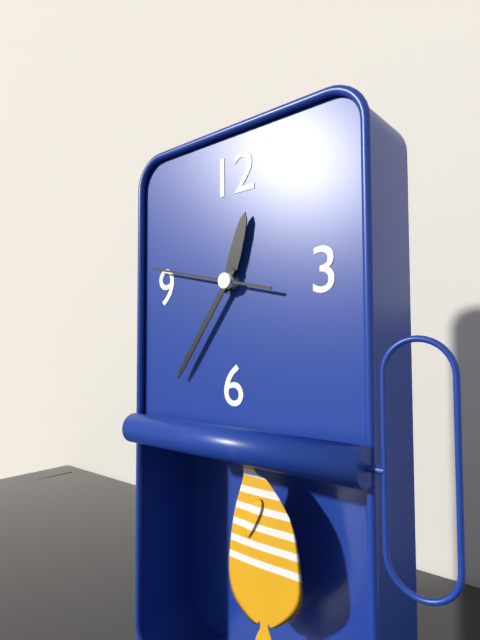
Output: 12h36m47s
